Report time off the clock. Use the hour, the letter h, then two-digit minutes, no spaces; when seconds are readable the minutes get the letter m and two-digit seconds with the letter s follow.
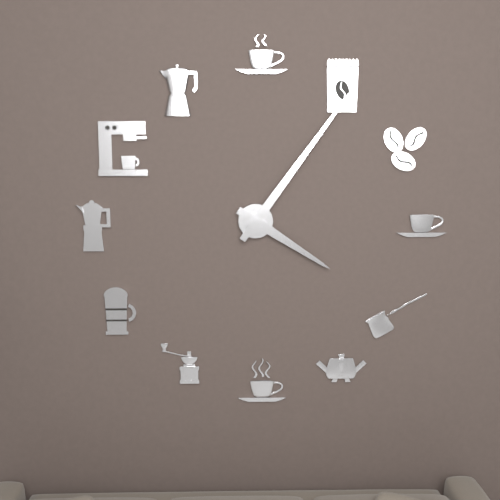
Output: 4h06
